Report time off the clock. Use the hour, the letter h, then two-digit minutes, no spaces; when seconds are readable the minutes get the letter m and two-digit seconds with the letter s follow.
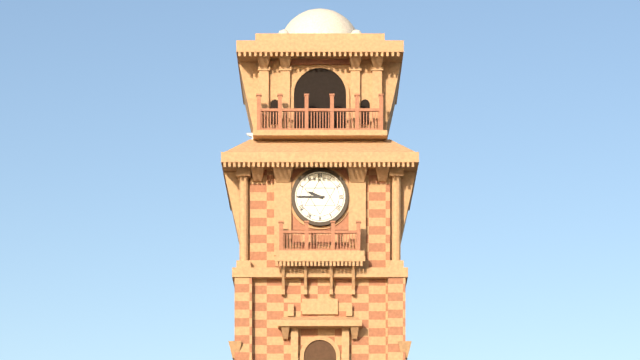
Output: 9h45
